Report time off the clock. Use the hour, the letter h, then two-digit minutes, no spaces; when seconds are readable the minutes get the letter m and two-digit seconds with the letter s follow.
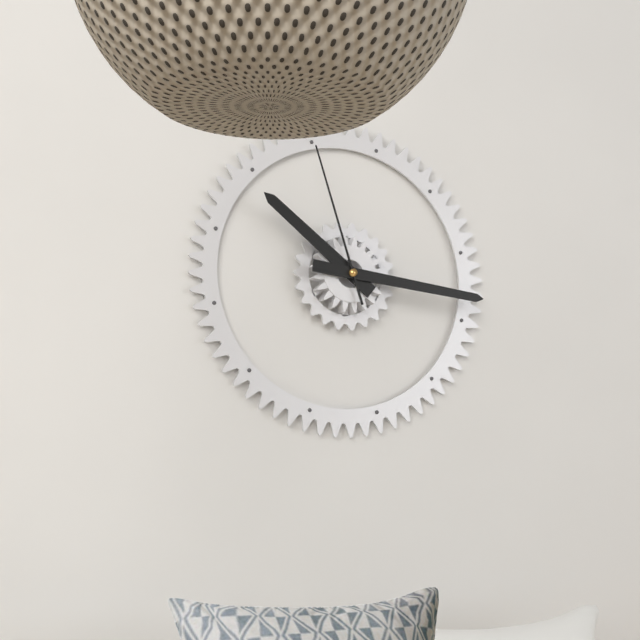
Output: 10h16m57s
